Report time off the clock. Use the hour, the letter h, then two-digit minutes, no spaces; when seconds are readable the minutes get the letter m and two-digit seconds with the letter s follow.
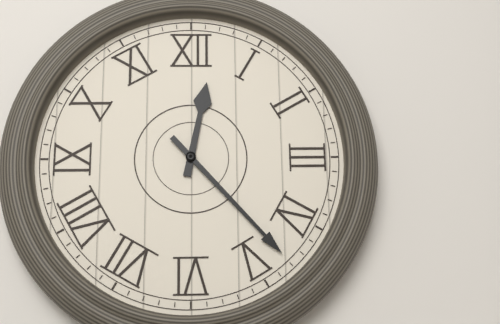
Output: 12h23
